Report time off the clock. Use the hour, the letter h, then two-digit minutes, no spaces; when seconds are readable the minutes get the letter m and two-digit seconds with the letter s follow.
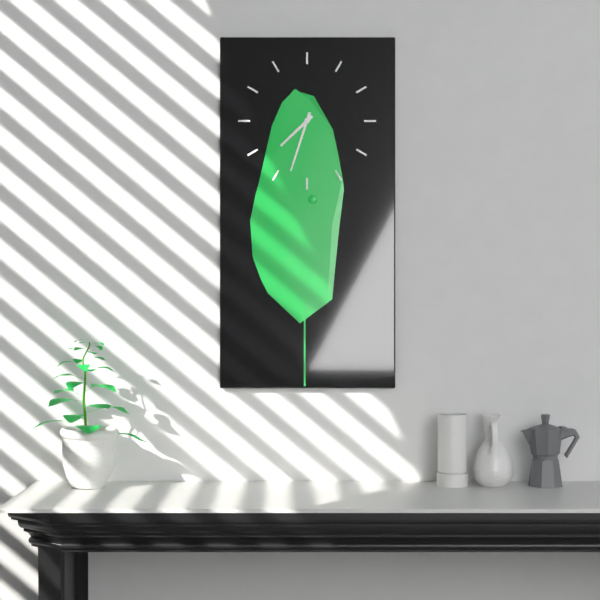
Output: 7h33
